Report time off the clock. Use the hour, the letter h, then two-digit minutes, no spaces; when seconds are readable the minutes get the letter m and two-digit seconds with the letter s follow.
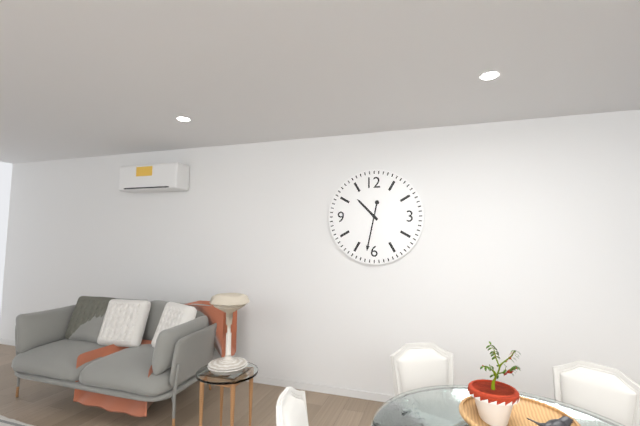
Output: 10h32
